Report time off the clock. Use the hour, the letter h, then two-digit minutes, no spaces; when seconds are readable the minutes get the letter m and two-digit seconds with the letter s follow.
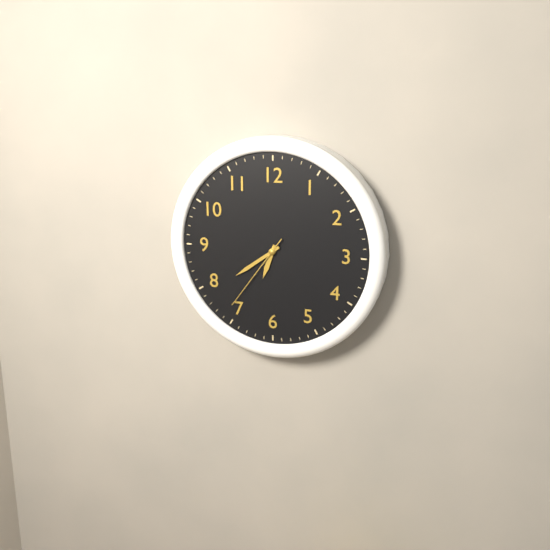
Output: 6h39m36s
